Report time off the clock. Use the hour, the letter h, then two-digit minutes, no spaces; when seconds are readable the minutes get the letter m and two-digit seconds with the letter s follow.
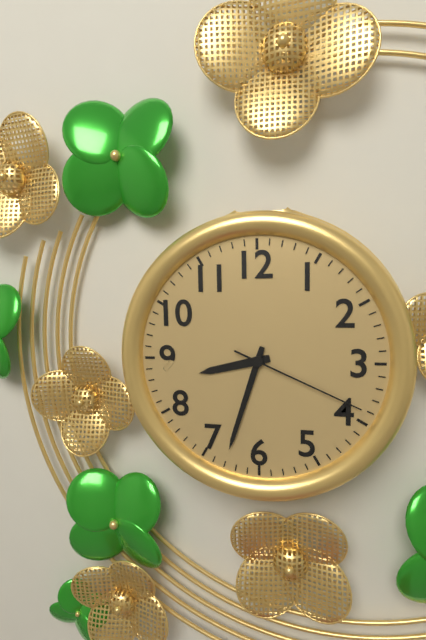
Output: 8h33m19s
